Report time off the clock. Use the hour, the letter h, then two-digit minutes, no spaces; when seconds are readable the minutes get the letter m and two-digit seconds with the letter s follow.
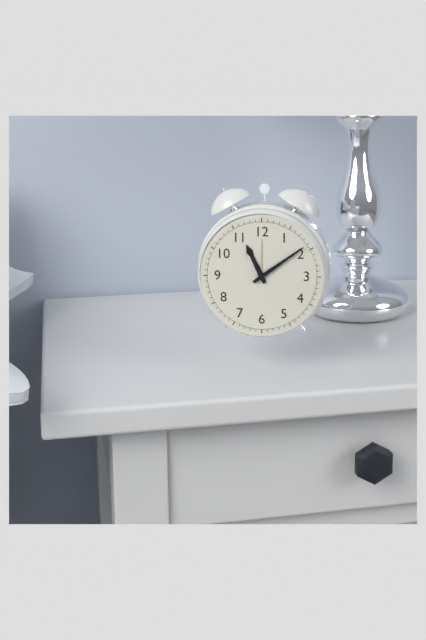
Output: 11h09
